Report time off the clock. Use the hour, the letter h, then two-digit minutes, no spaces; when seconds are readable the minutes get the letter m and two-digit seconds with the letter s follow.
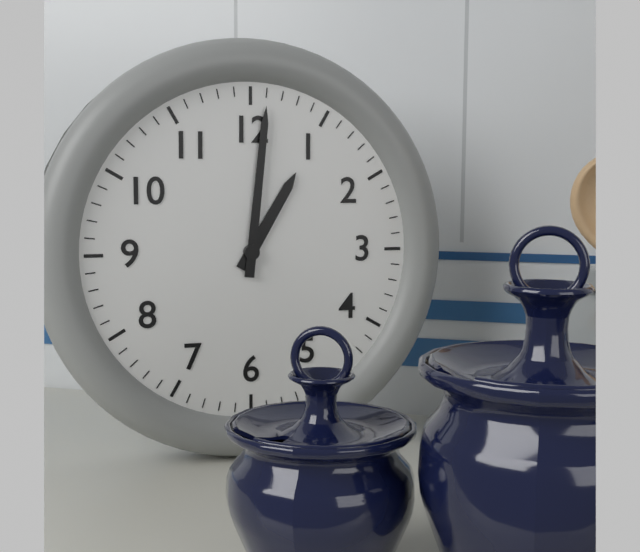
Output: 1h01
